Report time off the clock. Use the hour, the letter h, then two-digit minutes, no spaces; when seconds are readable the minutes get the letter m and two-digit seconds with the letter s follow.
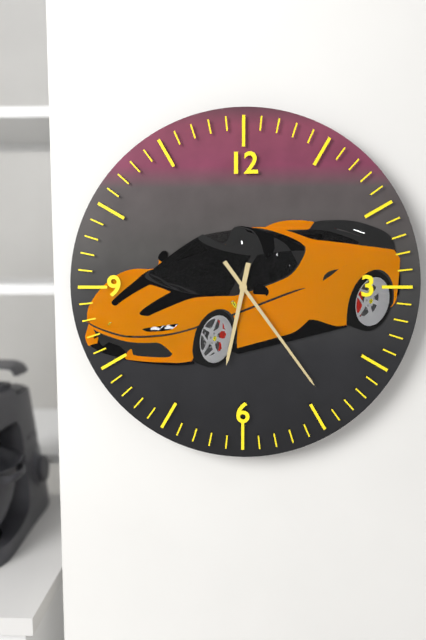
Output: 6h24
